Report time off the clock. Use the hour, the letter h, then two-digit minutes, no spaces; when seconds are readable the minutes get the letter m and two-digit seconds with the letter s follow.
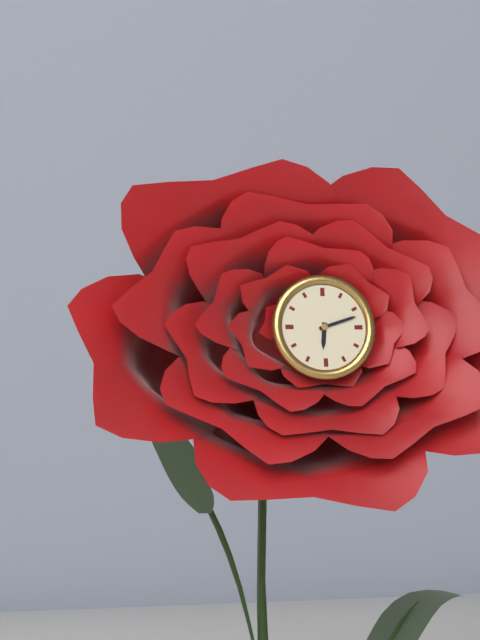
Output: 6h12
